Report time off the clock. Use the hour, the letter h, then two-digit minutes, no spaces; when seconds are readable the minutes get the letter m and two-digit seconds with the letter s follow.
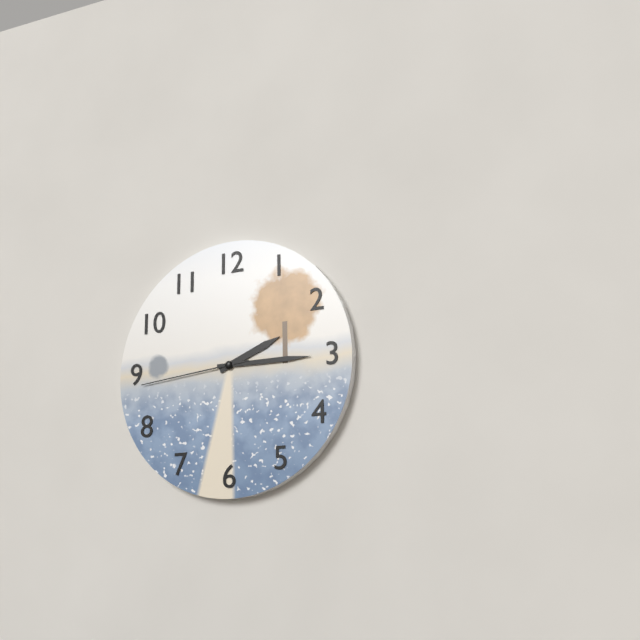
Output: 2h15m44s
